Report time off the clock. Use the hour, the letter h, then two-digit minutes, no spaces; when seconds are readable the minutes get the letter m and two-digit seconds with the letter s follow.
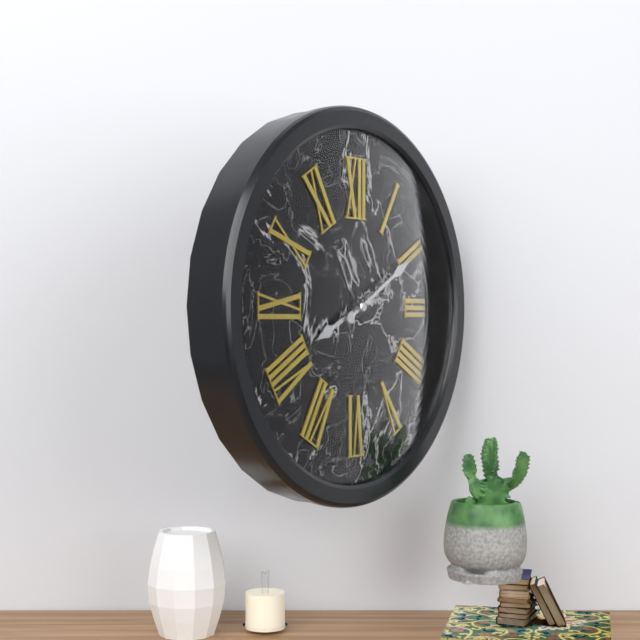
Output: 8h10
